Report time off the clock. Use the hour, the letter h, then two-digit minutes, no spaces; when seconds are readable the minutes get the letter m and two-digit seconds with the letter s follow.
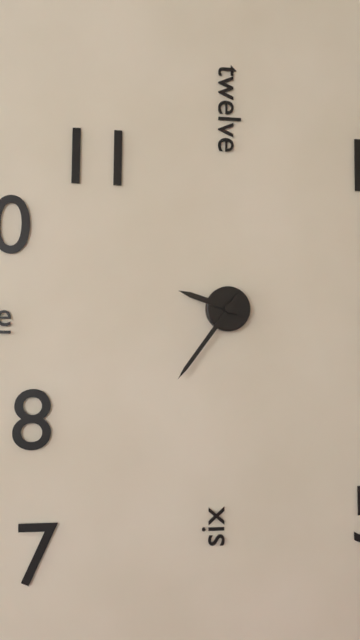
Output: 9h36
